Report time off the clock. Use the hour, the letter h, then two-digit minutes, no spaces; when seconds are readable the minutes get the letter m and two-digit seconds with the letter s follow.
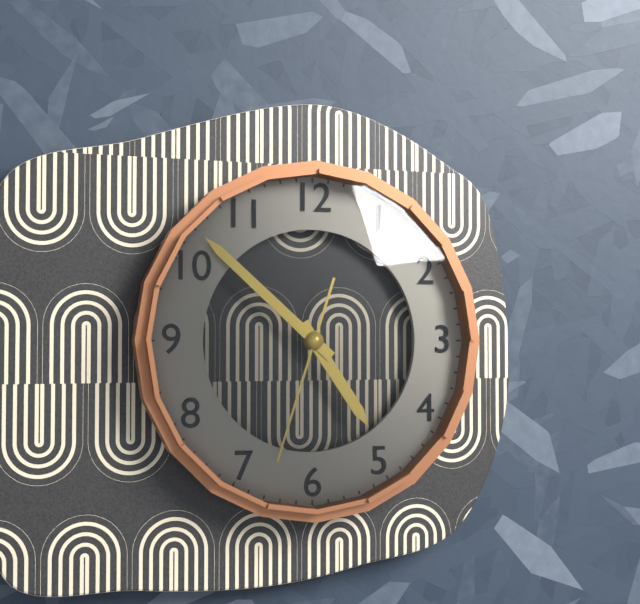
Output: 4h52m33s
